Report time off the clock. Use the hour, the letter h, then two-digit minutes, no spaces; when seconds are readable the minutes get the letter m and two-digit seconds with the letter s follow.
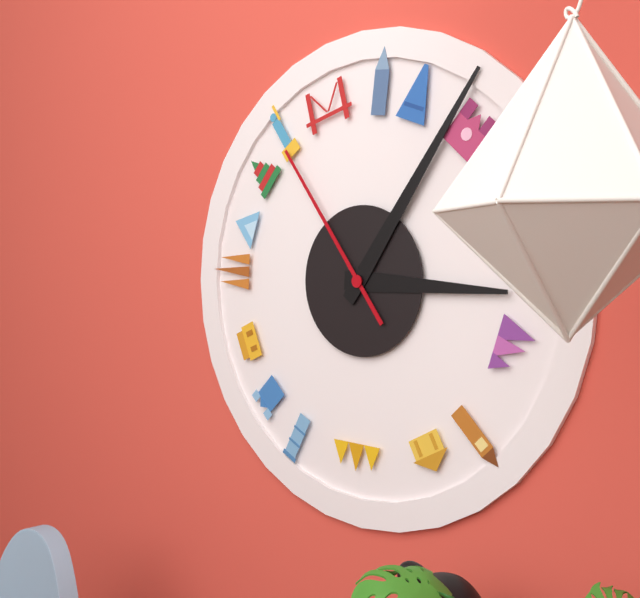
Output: 3h06m54s
